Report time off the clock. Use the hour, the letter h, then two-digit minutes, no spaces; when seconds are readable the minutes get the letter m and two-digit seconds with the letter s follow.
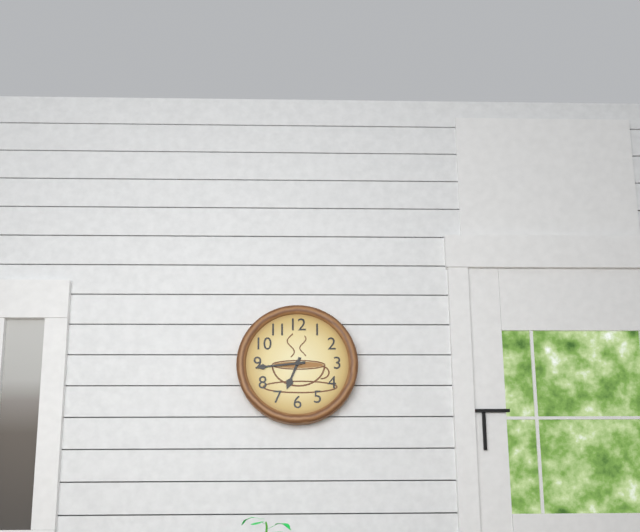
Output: 6h44
